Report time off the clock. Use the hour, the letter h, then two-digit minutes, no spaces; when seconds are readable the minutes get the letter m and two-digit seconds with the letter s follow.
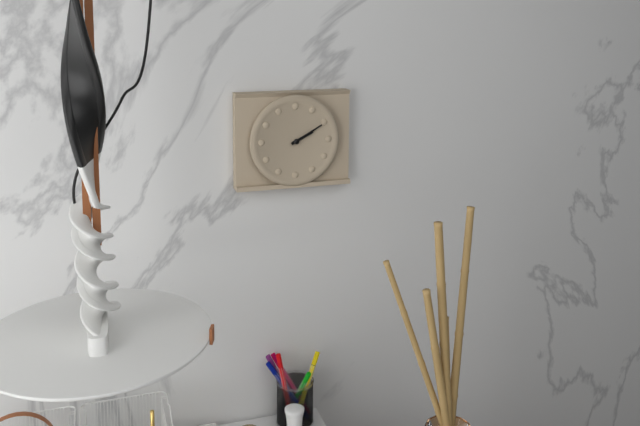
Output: 2h10
